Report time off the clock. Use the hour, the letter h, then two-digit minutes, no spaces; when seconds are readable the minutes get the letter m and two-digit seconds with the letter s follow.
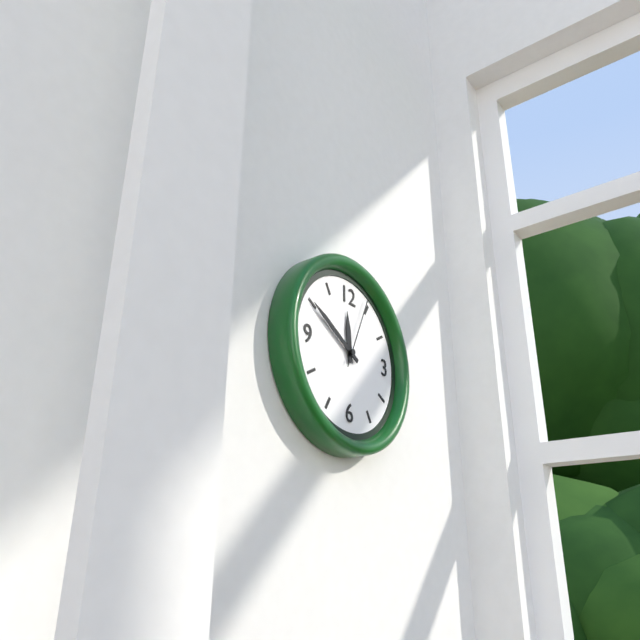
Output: 11h50m04s
